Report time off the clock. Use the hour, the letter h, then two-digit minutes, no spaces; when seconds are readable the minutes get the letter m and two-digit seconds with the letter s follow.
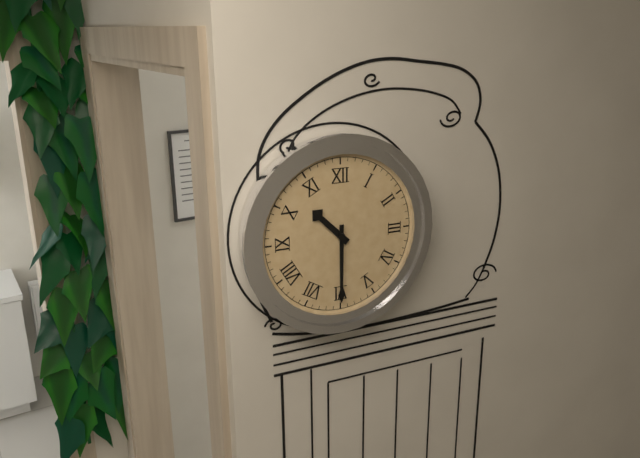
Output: 10h30
